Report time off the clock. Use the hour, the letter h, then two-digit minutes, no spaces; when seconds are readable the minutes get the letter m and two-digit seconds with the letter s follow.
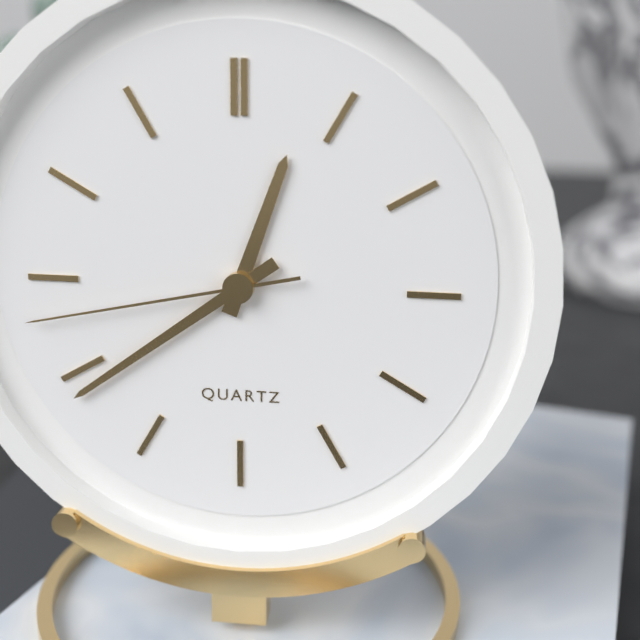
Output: 12h39m43s
